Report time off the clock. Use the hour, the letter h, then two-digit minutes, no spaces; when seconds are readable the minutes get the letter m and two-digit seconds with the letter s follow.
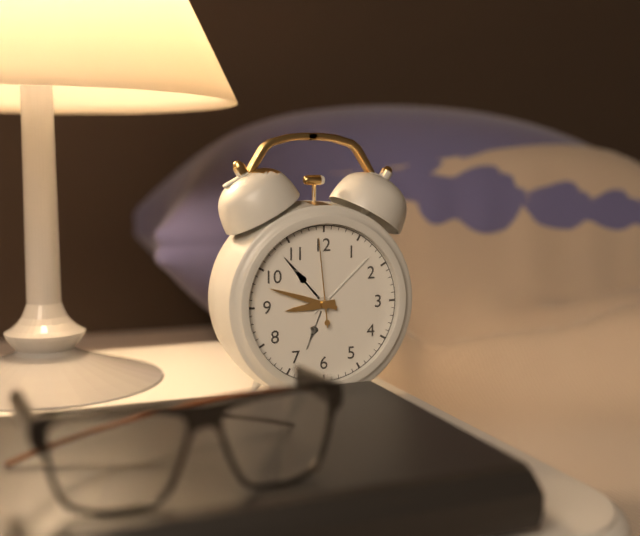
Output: 8h48m59s
